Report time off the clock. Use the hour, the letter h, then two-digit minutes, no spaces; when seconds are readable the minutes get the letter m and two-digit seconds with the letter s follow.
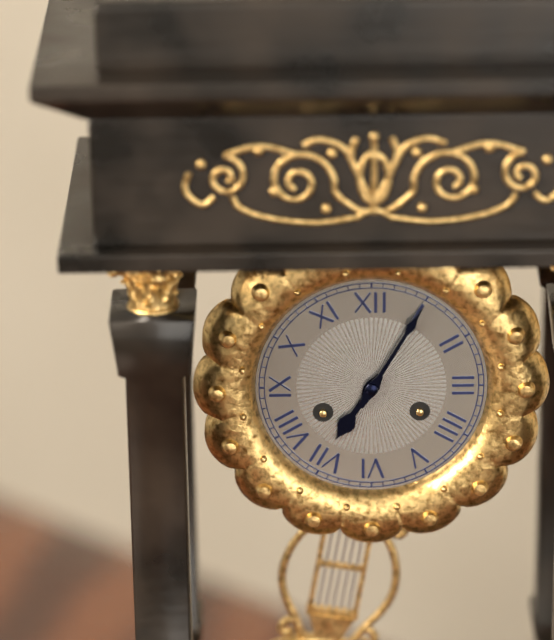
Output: 7h05
